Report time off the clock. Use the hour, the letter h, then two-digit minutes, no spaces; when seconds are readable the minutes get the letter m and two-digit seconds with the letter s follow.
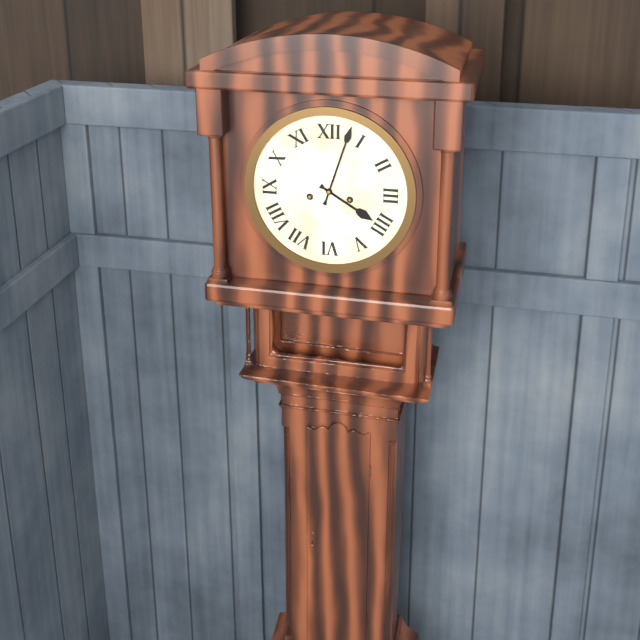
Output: 4h03
